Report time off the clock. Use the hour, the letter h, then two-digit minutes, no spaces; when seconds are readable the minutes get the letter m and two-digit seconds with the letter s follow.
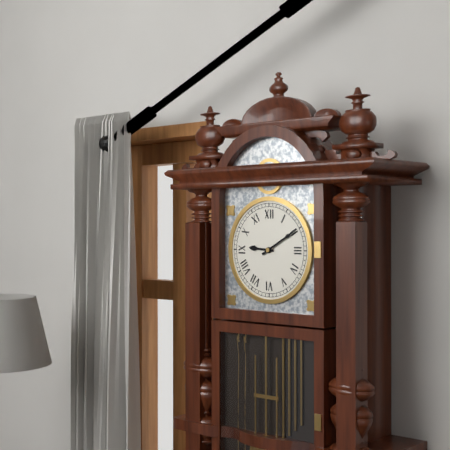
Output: 9h10
